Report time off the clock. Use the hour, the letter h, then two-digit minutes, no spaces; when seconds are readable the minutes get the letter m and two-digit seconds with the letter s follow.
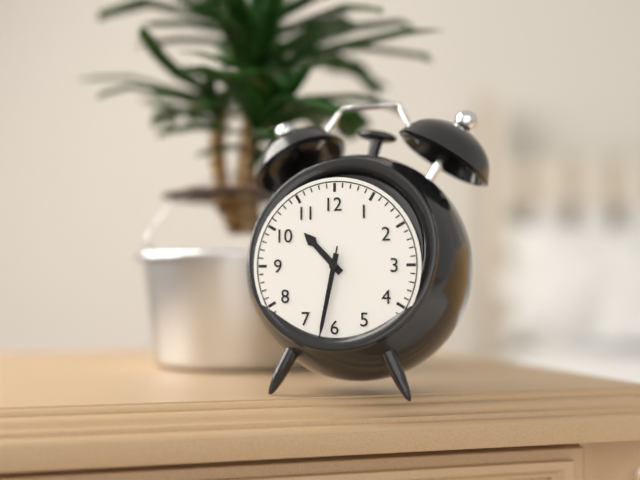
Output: 10h32m32s
